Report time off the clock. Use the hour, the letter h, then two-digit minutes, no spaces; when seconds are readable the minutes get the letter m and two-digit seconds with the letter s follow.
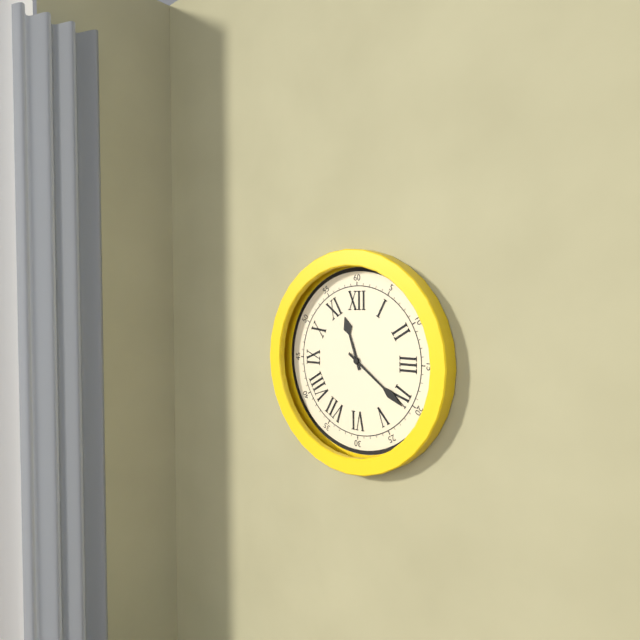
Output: 11h21
